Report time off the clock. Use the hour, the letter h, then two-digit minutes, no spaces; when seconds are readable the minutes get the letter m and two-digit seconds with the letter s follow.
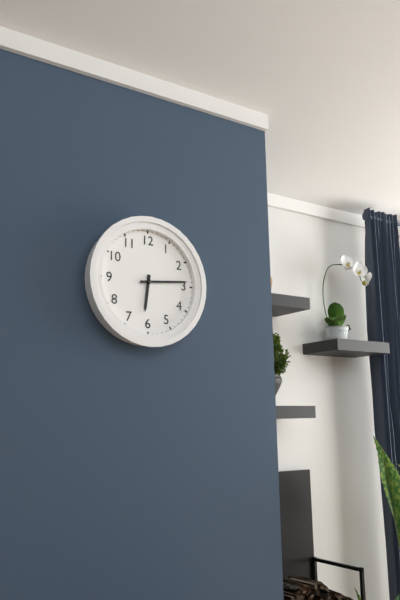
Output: 6h14
